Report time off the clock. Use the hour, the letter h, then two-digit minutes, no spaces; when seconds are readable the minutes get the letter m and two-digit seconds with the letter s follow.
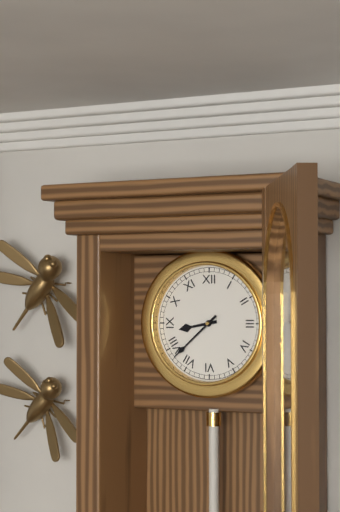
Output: 8h38
